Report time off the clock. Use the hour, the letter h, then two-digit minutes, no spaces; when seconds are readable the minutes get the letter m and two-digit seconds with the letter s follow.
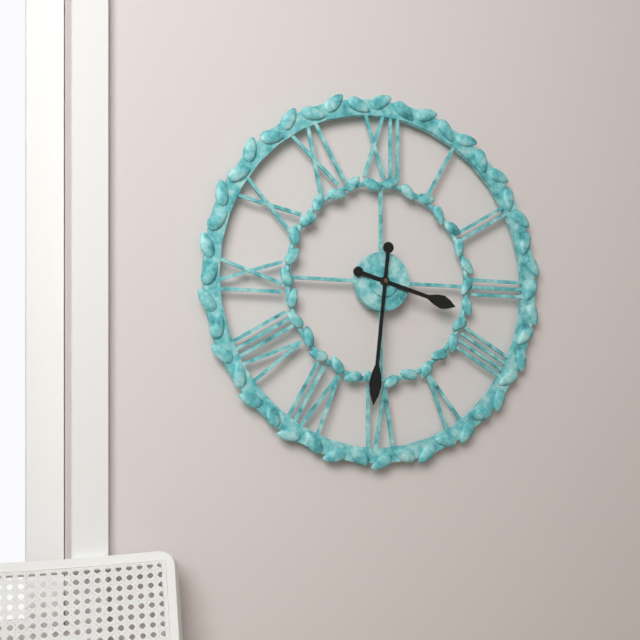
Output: 3h31
